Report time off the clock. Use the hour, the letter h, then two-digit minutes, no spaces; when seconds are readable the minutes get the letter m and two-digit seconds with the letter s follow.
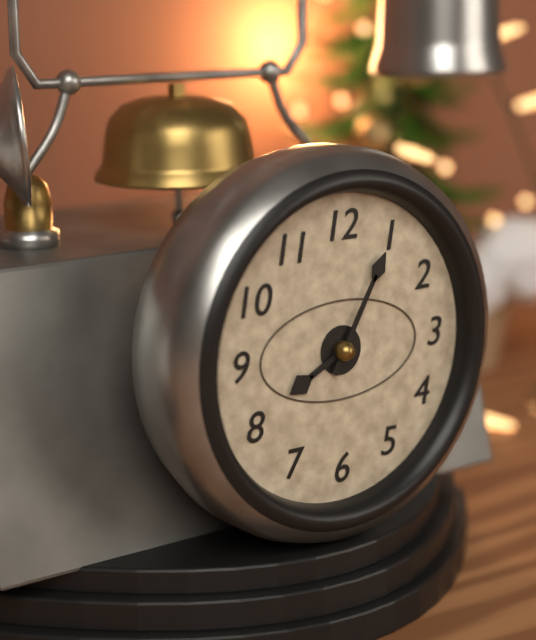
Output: 8h05
